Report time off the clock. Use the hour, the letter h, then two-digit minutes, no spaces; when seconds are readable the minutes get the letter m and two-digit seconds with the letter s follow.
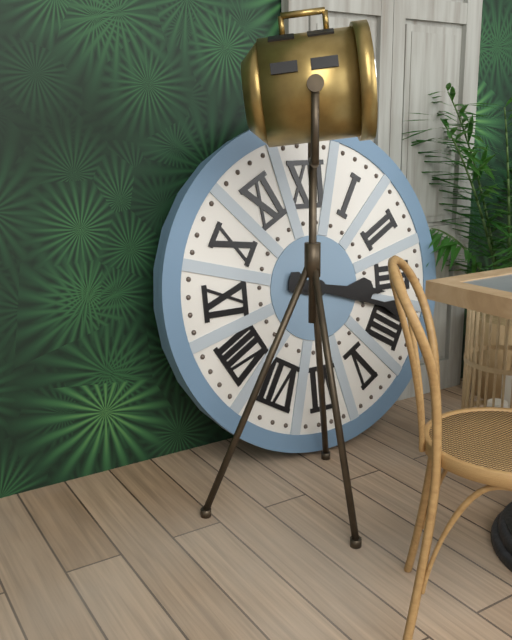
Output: 3h18
